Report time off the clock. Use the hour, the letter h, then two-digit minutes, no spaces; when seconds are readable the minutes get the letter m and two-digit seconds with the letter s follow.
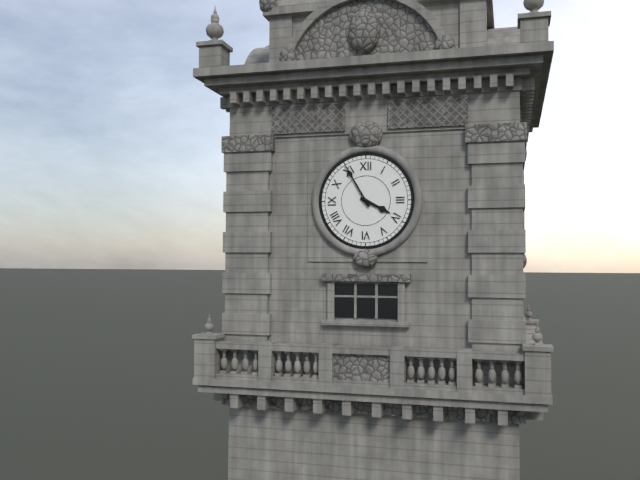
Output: 3h55
